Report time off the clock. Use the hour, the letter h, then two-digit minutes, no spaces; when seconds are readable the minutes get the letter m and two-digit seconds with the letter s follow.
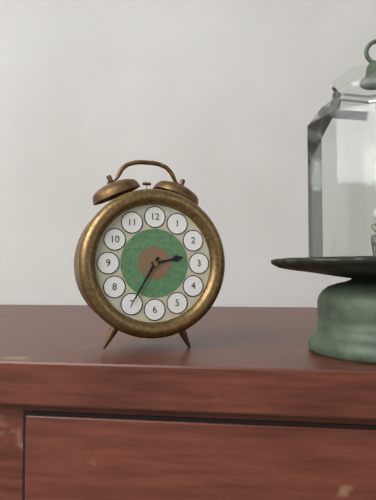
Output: 2h35
